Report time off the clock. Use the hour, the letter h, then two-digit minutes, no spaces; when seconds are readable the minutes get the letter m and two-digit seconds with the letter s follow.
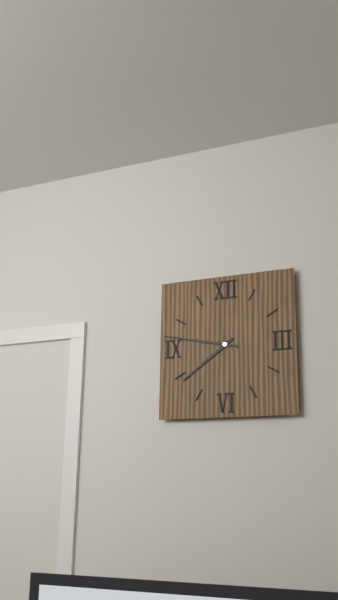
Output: 7h47
